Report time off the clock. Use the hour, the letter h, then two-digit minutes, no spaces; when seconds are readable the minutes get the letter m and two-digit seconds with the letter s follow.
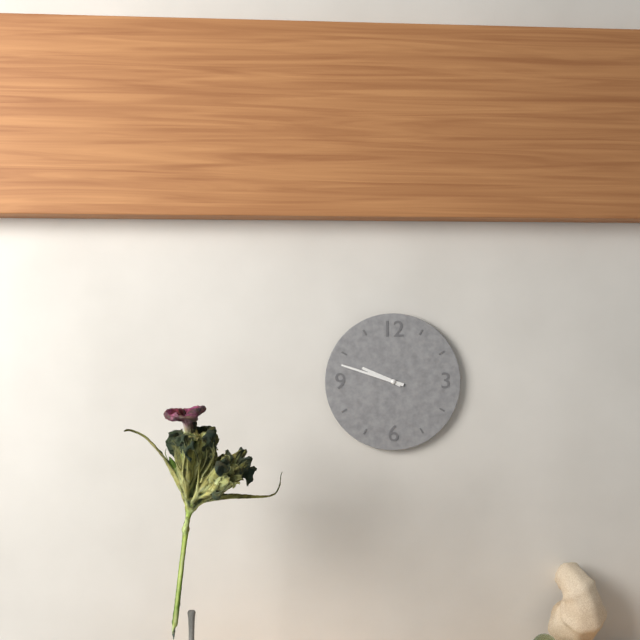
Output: 9h48
